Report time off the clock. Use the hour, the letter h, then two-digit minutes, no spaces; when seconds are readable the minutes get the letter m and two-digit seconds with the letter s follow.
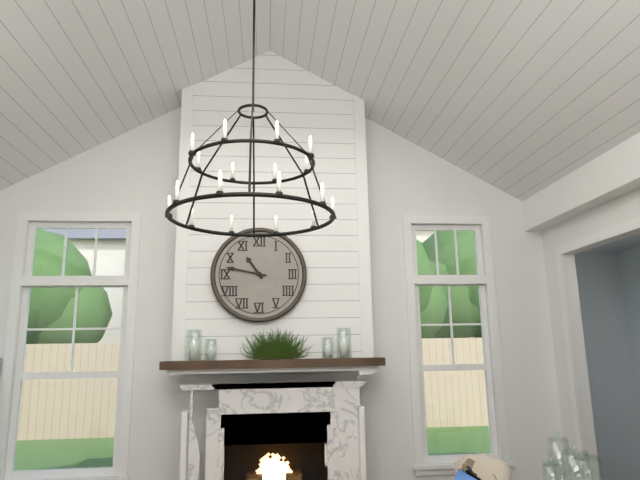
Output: 10h47
